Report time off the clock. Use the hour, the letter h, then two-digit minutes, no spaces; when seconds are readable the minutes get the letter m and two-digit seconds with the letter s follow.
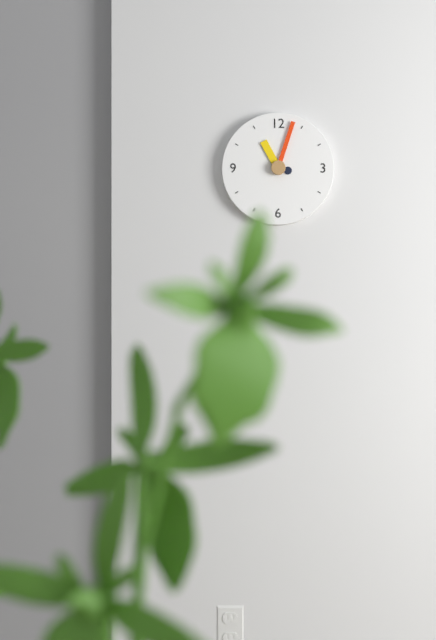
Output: 11h03
